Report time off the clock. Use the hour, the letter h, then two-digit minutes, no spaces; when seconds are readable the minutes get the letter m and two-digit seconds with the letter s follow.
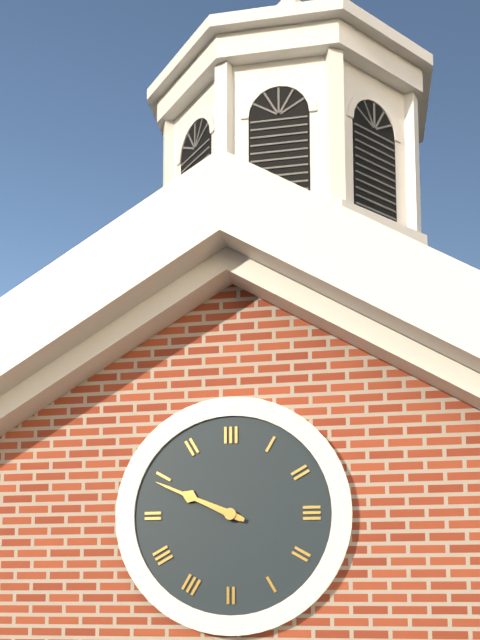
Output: 9h49
